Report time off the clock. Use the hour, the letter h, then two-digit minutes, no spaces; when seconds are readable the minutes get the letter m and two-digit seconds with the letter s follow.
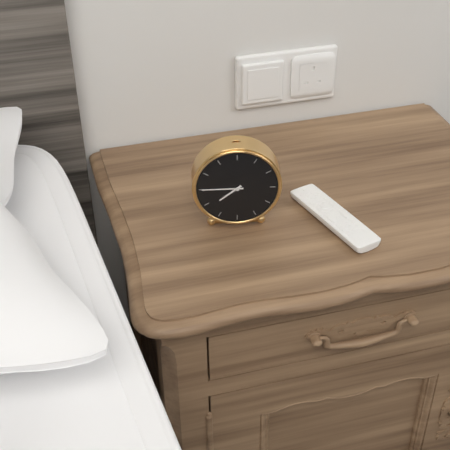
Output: 7h45
